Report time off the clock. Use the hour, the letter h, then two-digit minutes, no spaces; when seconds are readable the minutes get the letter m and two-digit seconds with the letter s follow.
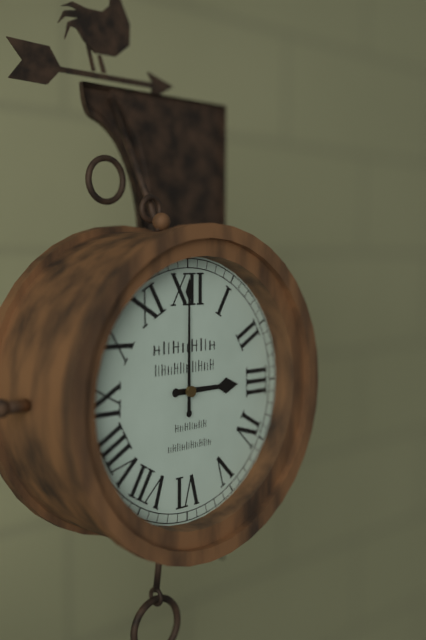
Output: 3h00
